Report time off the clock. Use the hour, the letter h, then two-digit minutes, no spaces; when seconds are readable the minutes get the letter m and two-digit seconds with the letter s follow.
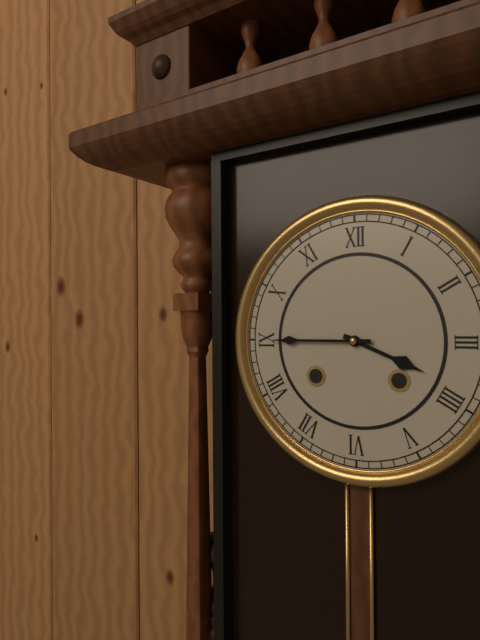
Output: 3h45
